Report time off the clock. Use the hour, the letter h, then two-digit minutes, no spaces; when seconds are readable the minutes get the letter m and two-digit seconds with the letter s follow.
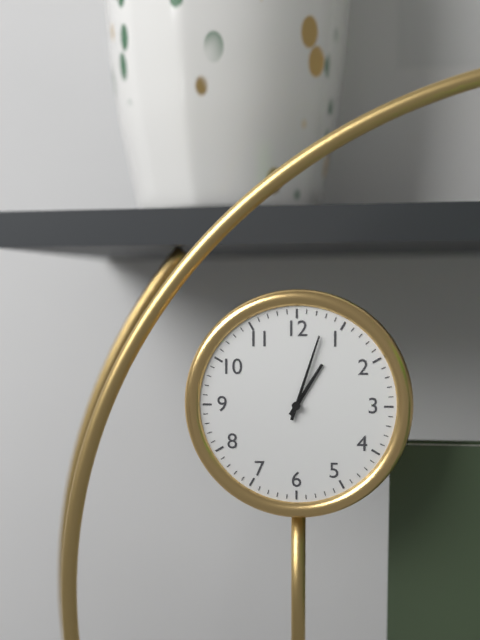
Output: 1h03
